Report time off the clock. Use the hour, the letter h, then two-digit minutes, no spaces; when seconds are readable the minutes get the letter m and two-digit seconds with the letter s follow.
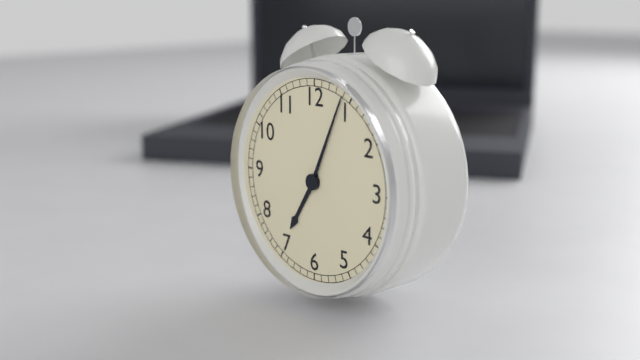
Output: 7h04
